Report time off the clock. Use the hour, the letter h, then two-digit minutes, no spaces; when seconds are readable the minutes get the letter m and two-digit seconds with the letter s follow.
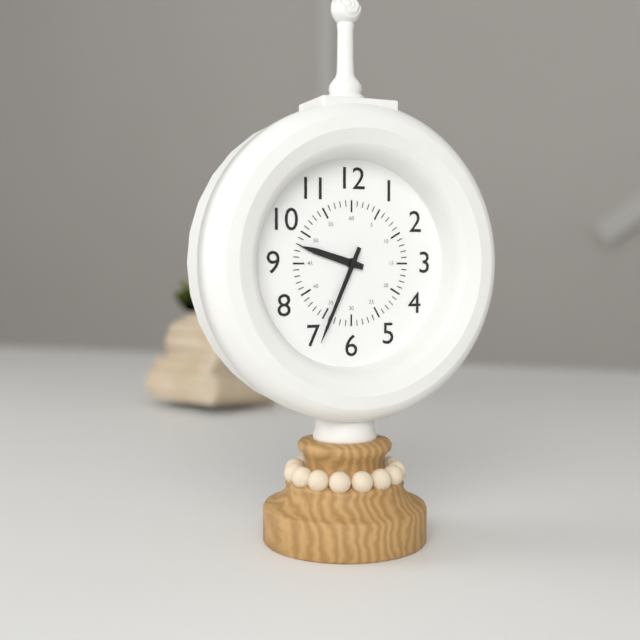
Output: 9h34
